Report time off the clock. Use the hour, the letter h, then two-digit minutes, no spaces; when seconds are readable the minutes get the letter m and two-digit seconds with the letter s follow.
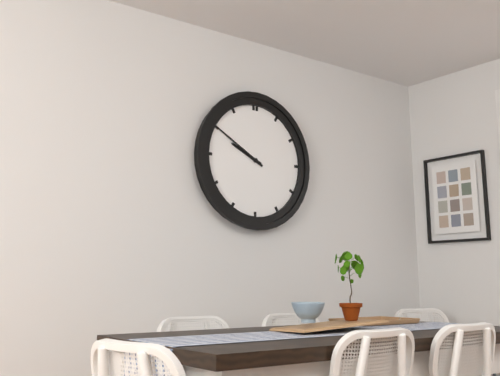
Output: 9h50
